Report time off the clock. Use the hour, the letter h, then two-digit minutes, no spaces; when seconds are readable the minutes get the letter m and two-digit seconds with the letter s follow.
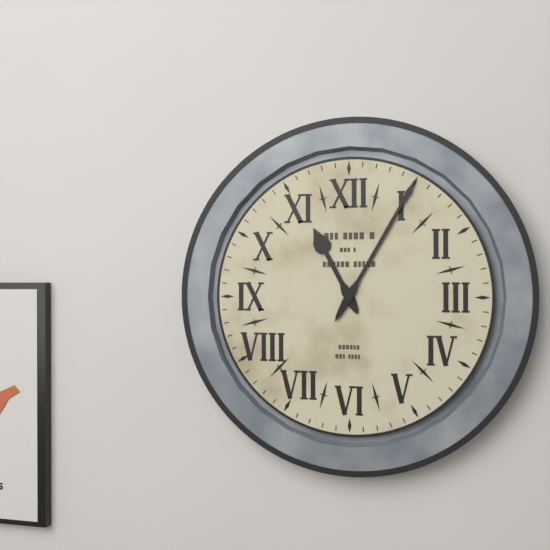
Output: 11h05
